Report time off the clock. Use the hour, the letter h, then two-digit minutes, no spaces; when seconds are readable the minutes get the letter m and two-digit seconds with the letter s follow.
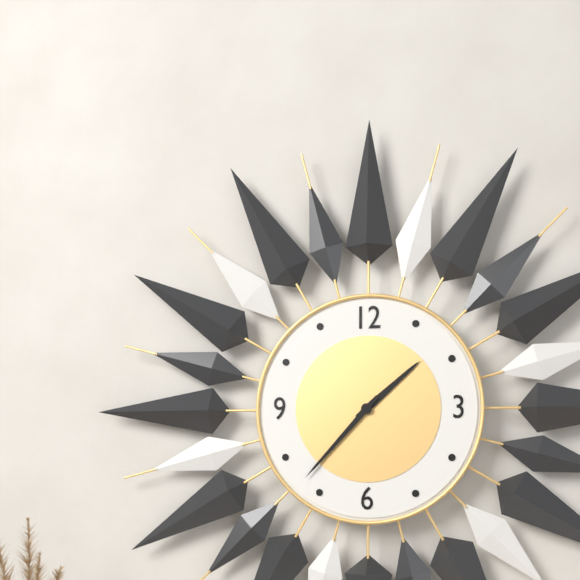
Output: 1h37
